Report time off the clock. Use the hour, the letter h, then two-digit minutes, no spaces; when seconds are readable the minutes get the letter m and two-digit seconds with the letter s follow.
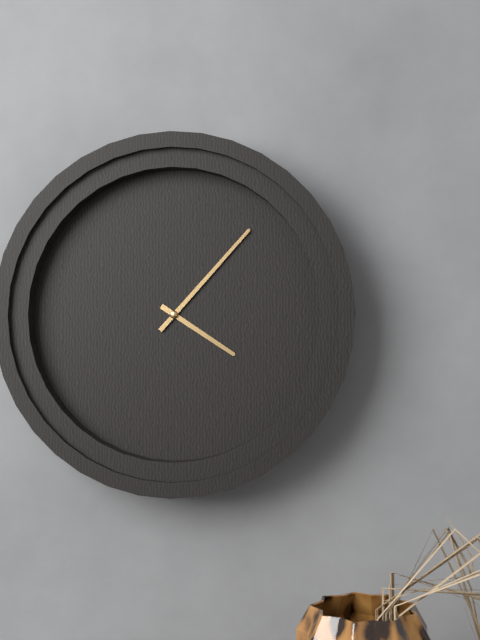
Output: 4h07
